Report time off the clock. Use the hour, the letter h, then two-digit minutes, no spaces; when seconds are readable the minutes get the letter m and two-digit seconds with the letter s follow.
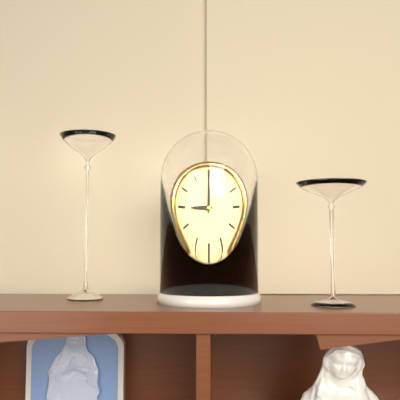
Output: 9h00
